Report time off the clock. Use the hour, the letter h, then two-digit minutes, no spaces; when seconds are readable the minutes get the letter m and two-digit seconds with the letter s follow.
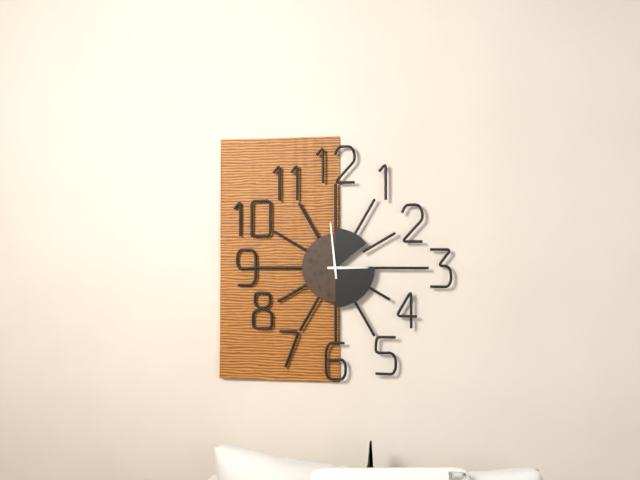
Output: 2h59
